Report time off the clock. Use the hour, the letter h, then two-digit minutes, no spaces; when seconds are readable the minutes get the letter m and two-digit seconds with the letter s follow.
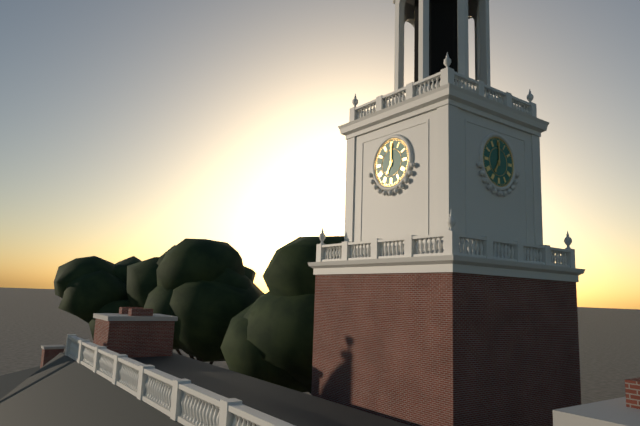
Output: 7h00
